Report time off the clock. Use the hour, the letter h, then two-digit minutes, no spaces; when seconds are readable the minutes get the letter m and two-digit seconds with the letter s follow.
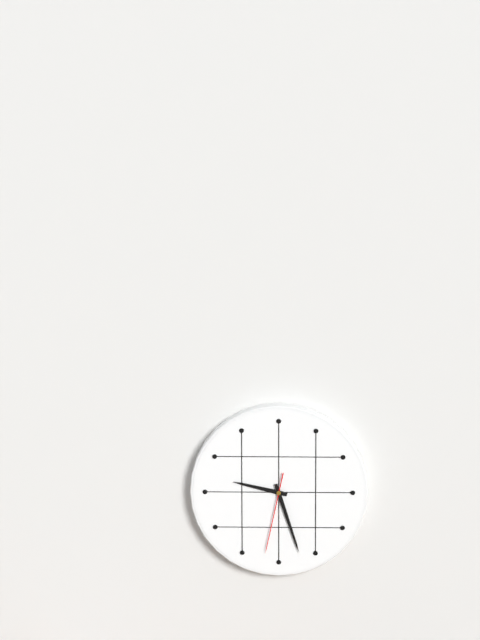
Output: 9h27m32s
